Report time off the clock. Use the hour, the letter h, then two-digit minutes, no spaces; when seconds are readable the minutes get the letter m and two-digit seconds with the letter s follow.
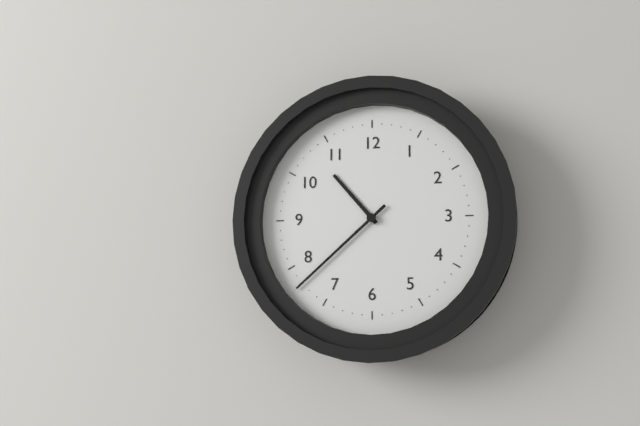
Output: 10h38
